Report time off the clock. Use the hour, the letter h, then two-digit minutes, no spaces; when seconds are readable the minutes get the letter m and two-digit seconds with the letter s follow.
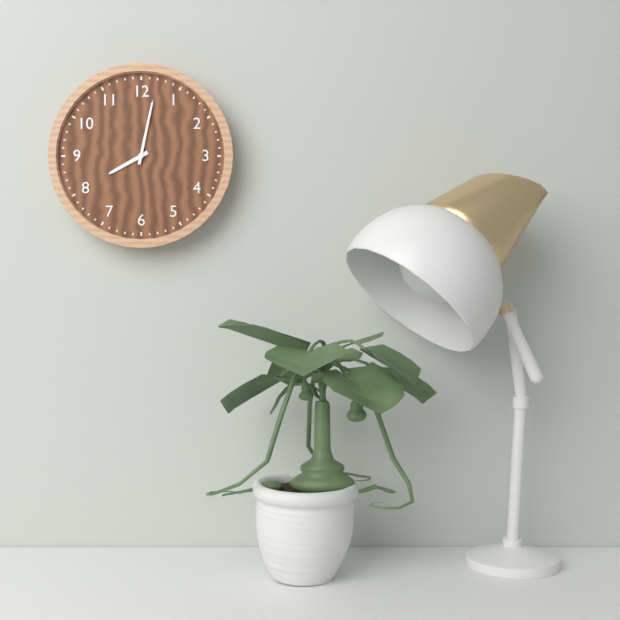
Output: 8h02
